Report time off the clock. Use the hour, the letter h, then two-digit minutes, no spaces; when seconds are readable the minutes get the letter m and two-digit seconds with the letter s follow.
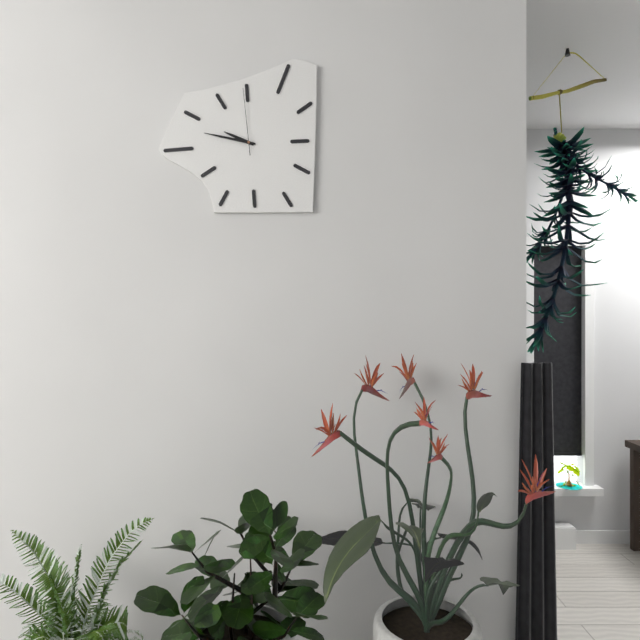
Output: 9h47m59s
